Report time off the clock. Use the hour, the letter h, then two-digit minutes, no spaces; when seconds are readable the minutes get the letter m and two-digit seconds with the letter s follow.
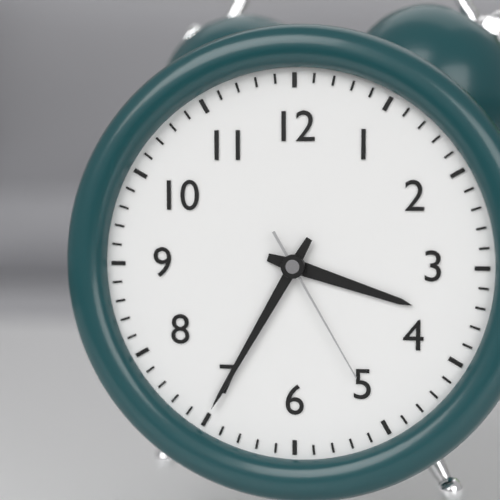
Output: 3h35m25s
